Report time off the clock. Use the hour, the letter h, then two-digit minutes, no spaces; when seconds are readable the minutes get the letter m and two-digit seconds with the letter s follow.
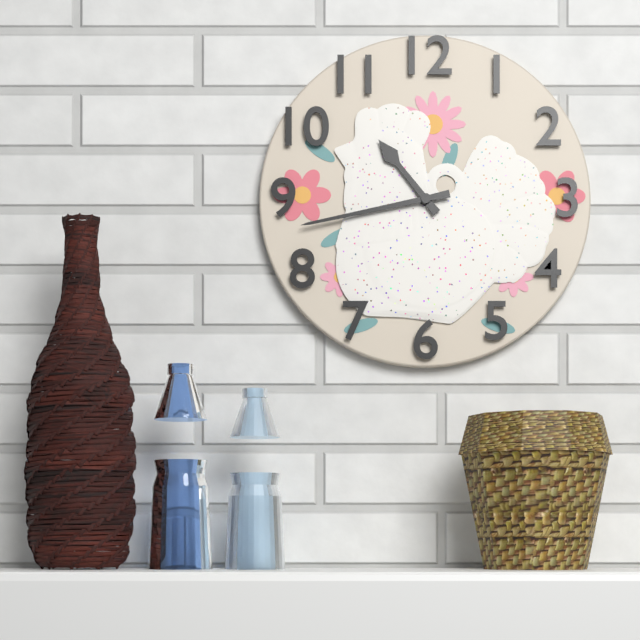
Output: 10h43
